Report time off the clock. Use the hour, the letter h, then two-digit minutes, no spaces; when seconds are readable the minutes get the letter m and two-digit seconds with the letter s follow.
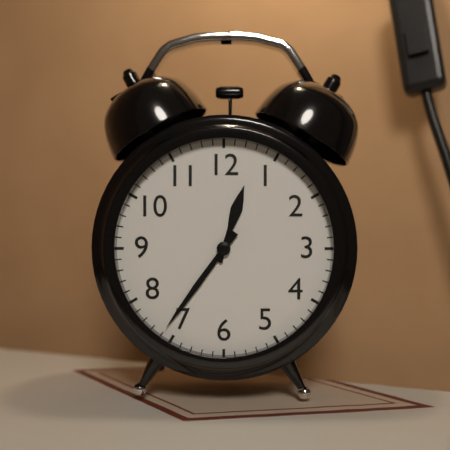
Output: 12h36
